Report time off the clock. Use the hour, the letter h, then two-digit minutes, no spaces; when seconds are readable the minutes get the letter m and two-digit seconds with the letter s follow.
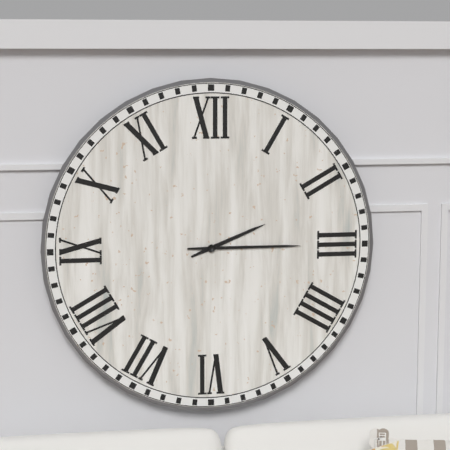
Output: 2h15
